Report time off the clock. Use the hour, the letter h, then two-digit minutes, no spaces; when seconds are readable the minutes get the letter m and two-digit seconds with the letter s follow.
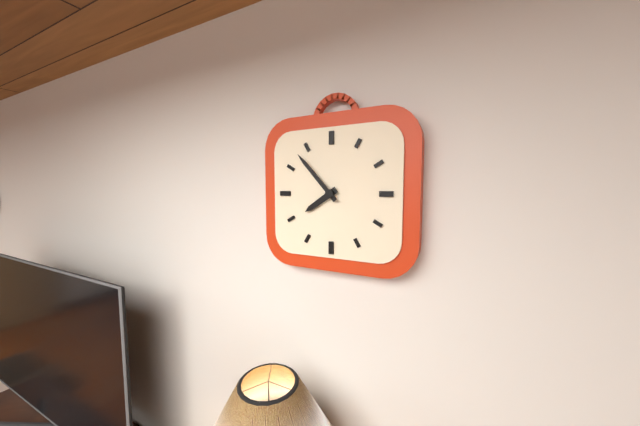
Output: 7h53
